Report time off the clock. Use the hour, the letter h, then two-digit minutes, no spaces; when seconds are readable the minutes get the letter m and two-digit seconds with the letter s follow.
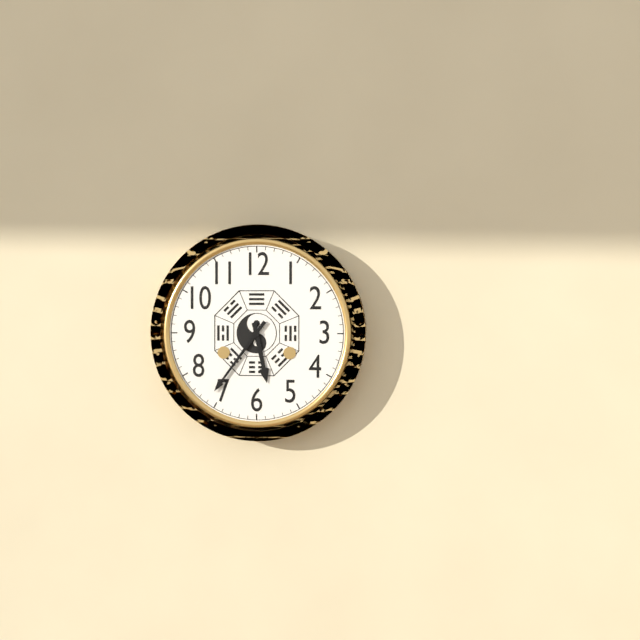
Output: 5h36
